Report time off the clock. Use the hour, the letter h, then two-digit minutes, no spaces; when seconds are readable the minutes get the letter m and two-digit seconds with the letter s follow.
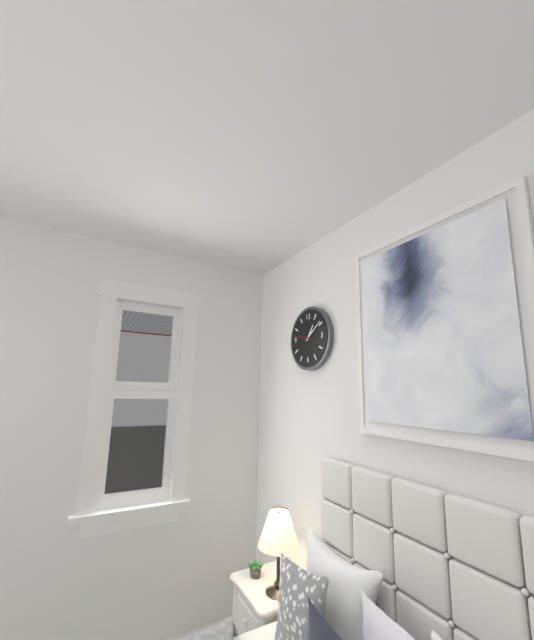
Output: 1h09
